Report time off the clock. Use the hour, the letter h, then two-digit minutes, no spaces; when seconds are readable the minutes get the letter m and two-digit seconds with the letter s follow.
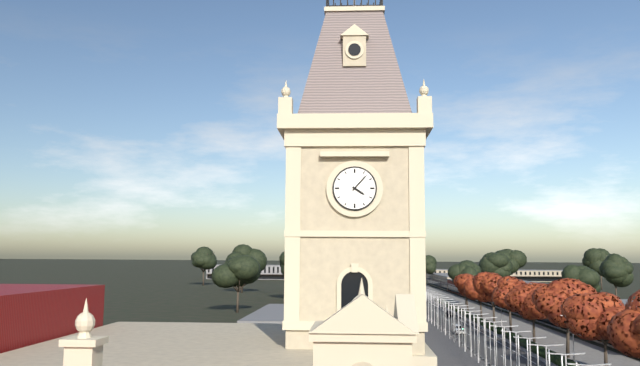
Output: 4h07
